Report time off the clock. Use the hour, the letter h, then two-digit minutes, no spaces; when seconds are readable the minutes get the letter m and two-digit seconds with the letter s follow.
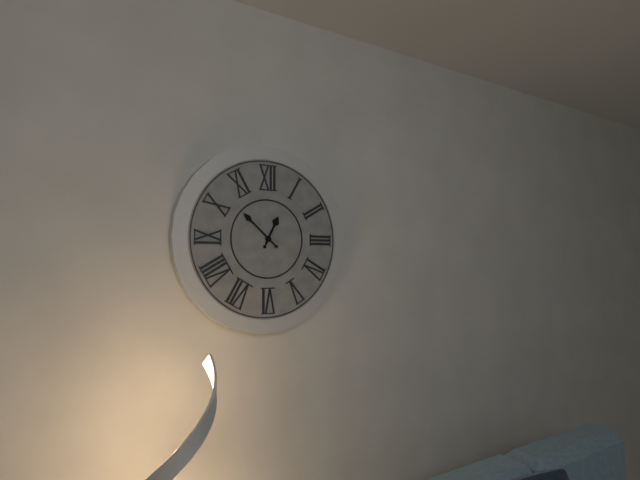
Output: 12h52
